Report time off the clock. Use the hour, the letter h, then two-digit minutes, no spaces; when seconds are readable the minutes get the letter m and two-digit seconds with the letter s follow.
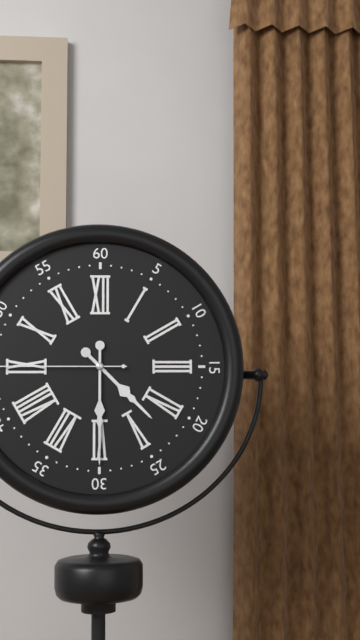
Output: 4h30
